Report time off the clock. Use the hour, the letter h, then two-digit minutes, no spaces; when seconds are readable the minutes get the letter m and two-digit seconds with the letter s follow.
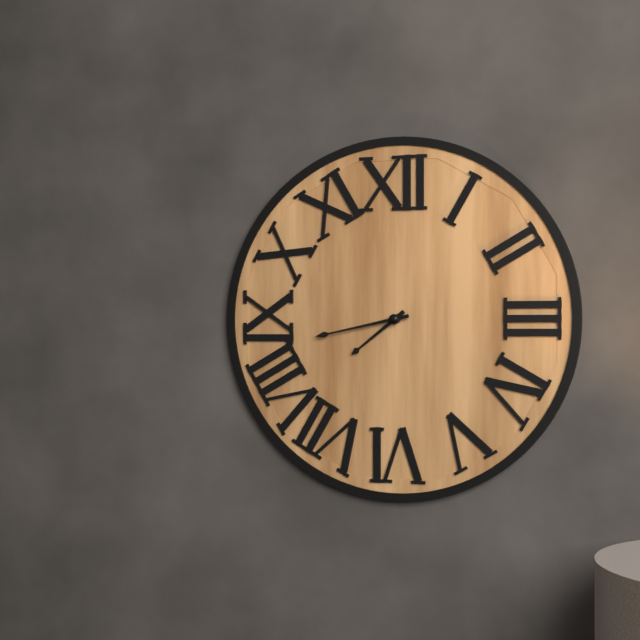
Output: 7h43
